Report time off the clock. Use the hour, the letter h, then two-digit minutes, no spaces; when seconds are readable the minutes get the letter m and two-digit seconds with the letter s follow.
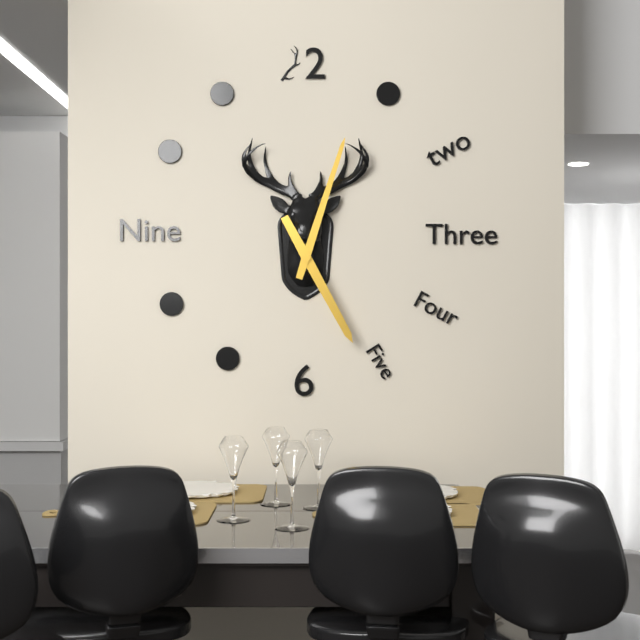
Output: 5h03
